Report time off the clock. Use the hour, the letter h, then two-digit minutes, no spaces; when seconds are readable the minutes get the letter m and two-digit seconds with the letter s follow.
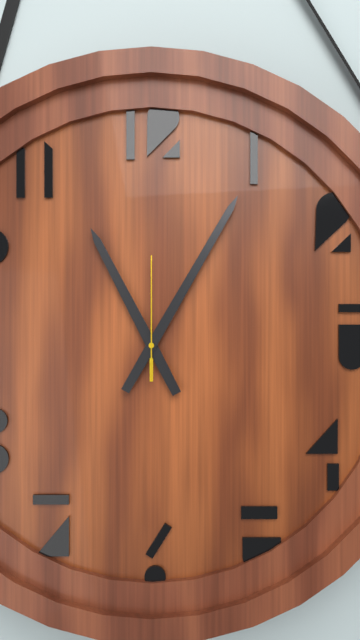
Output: 11h05m00s
